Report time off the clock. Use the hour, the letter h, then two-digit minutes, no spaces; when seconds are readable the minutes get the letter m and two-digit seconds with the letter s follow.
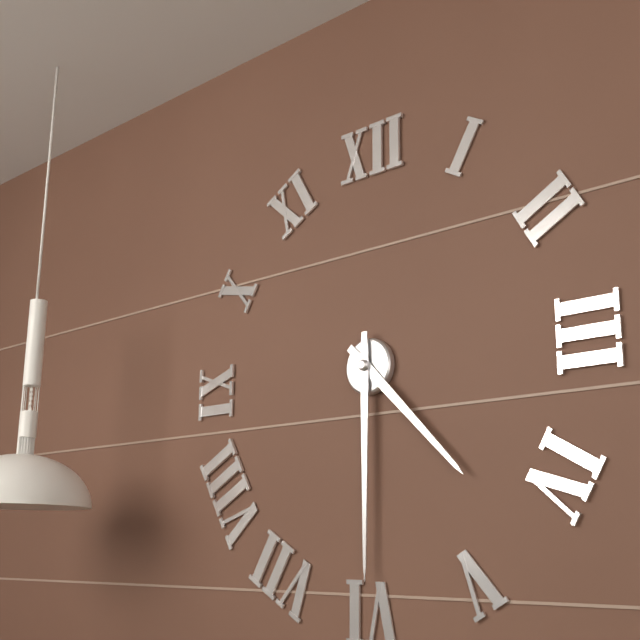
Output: 4h30
